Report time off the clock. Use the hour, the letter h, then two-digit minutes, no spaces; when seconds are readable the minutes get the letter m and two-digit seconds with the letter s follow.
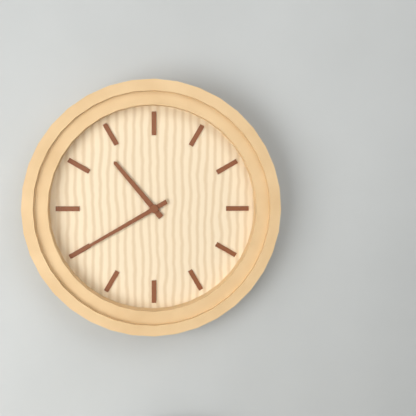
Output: 10h40
